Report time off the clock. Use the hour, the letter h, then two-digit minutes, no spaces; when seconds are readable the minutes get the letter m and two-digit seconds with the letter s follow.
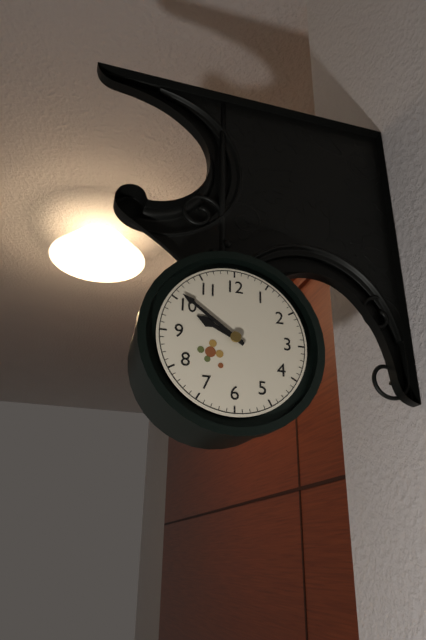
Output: 9h51
